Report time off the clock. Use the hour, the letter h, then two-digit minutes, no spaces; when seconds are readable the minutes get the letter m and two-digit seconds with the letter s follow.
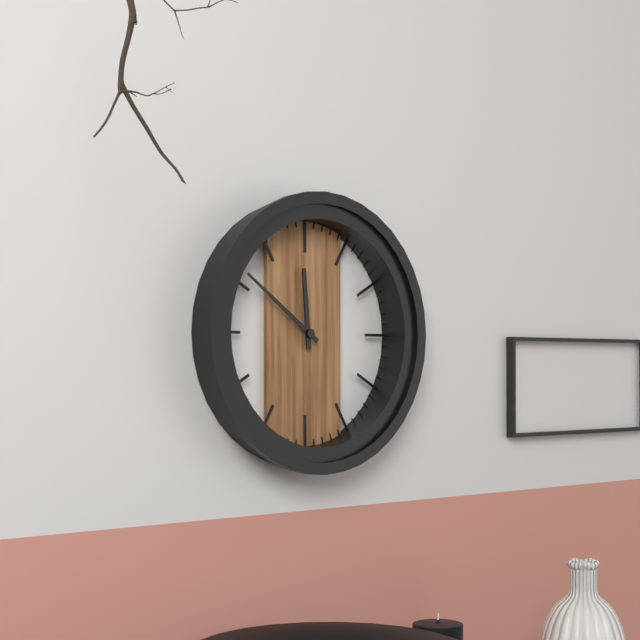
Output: 11h51
